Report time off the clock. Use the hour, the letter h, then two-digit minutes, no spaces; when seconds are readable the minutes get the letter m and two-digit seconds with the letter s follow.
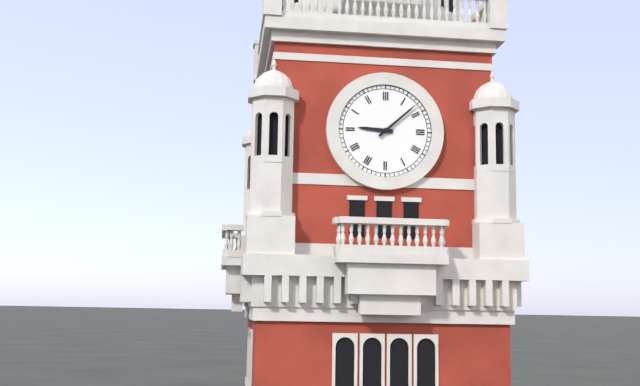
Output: 9h08
